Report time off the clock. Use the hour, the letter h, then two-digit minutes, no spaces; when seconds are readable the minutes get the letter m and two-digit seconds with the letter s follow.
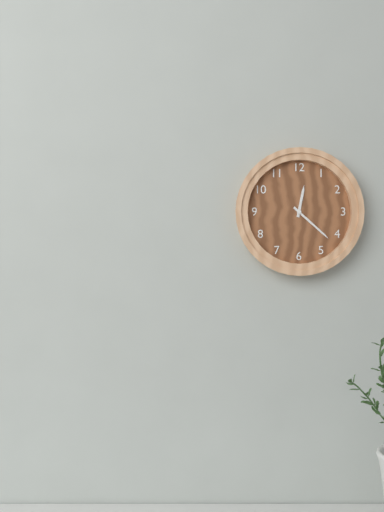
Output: 12h22
